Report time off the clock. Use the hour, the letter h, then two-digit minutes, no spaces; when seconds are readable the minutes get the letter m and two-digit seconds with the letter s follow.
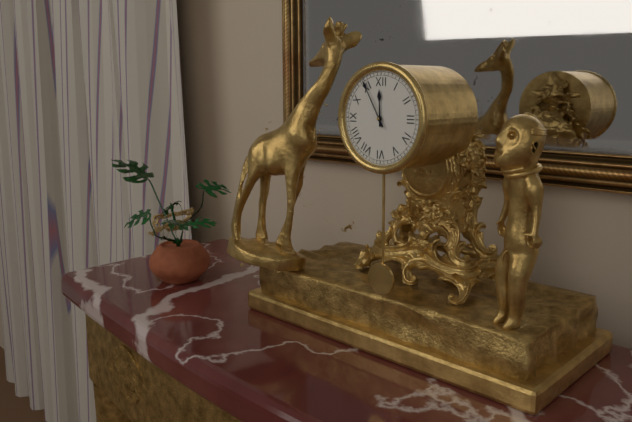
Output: 11h55
